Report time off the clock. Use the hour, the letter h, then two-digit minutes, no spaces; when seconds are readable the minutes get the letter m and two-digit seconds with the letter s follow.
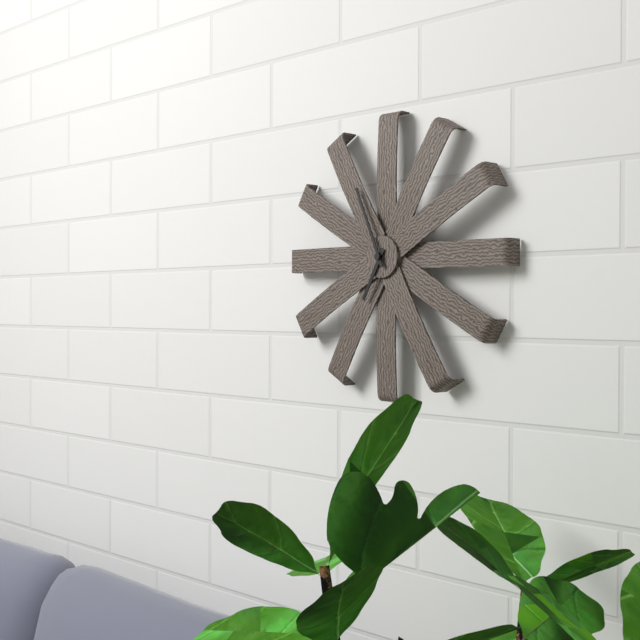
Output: 6h56
